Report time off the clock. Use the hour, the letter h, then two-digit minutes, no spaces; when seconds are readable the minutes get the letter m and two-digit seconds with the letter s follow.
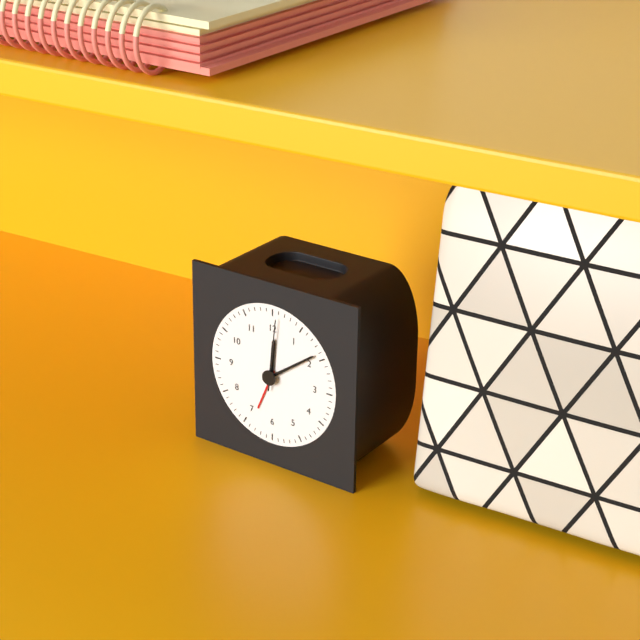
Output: 12h09m01s
